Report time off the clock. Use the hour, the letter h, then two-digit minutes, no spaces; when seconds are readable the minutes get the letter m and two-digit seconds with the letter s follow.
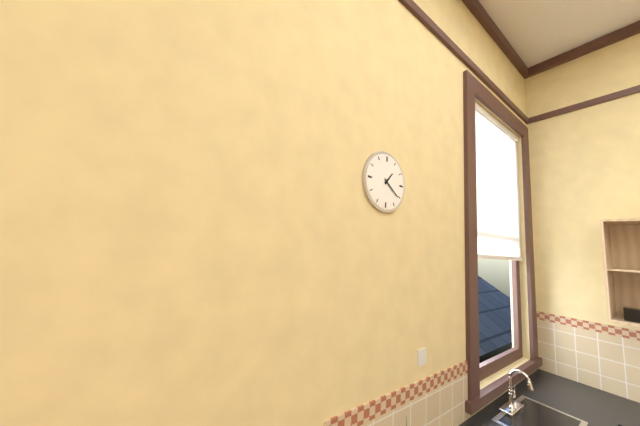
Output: 1h21
